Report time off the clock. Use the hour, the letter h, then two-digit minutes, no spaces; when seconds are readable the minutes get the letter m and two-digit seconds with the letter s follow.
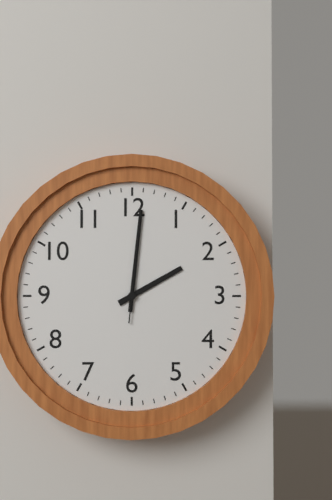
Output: 2h01m01s
